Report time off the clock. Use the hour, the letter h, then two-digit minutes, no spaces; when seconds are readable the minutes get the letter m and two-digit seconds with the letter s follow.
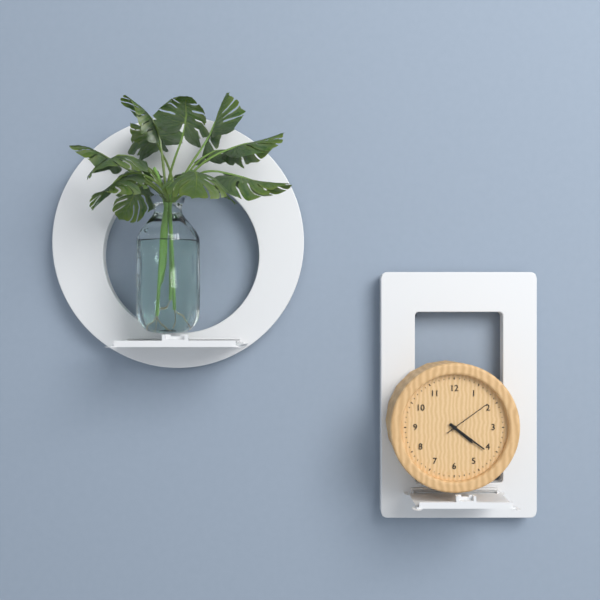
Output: 4h21m09s
